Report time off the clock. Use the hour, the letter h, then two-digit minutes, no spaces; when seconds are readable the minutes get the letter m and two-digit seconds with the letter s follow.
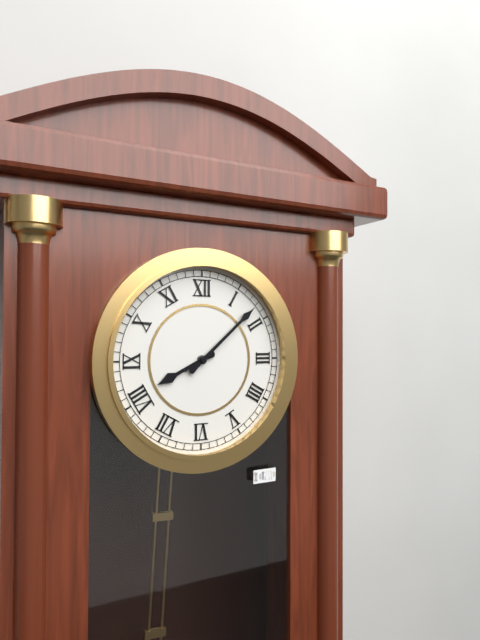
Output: 8h08
